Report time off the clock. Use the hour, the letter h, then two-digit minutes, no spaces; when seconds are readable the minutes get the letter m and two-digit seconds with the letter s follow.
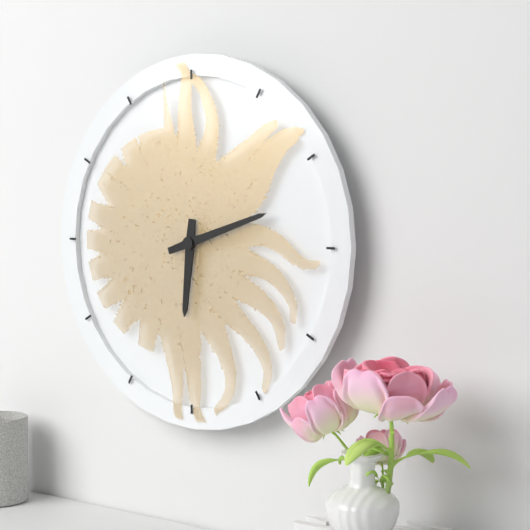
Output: 6h12
